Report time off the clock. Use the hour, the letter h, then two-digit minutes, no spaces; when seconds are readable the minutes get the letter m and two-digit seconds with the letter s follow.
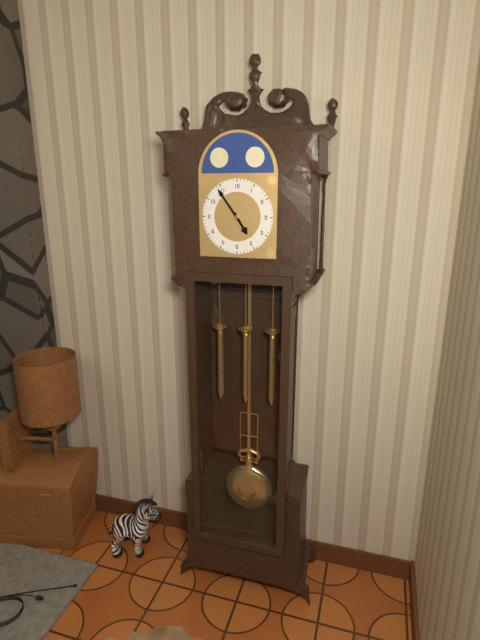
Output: 4h54
